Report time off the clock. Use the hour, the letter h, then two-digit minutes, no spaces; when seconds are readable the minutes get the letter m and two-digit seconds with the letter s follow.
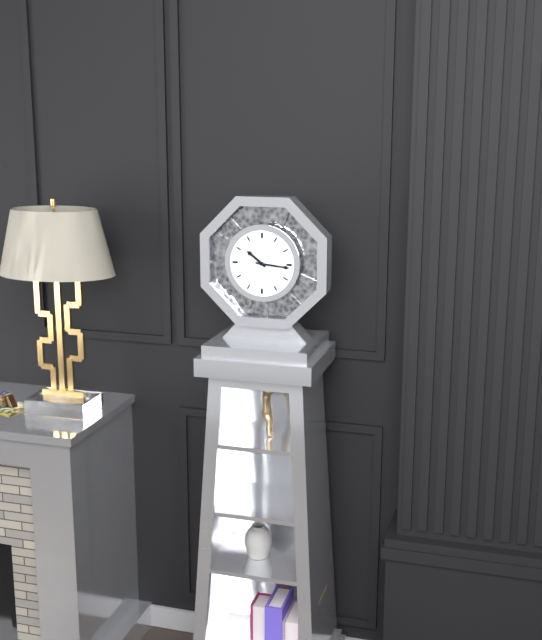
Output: 10h16
